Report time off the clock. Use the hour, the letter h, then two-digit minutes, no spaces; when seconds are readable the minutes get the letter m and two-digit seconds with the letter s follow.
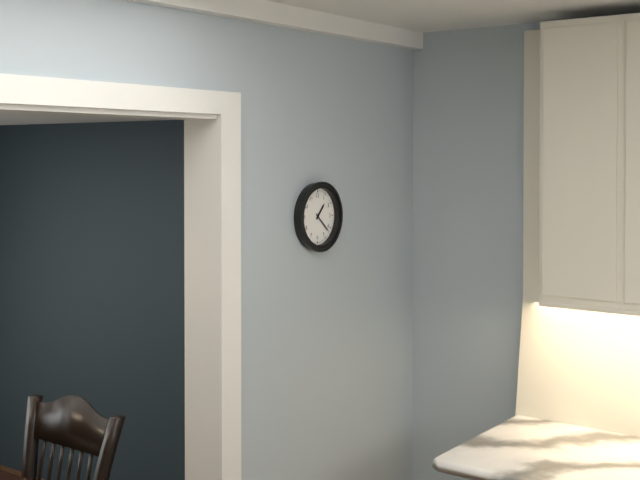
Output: 1h22
